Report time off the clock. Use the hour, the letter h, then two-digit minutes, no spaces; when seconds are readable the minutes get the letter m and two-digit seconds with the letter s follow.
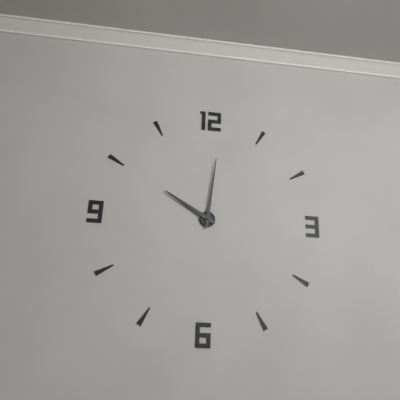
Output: 10h01
